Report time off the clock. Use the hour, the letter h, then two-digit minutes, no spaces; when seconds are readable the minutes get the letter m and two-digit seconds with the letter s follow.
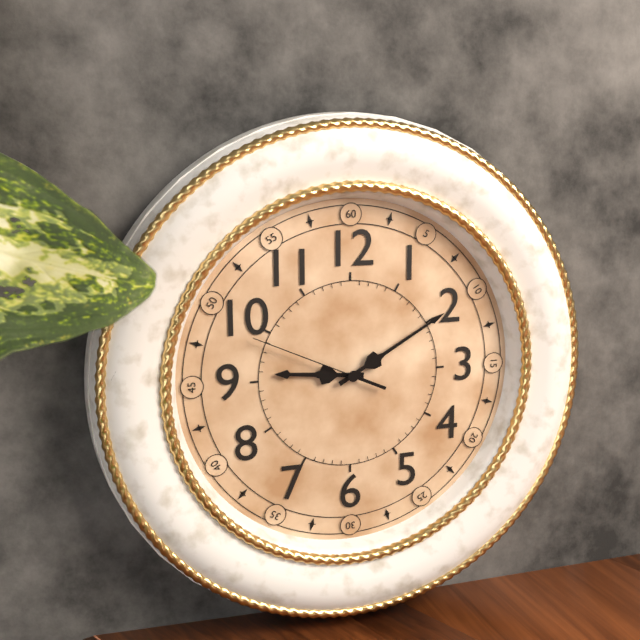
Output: 9h10m49s
